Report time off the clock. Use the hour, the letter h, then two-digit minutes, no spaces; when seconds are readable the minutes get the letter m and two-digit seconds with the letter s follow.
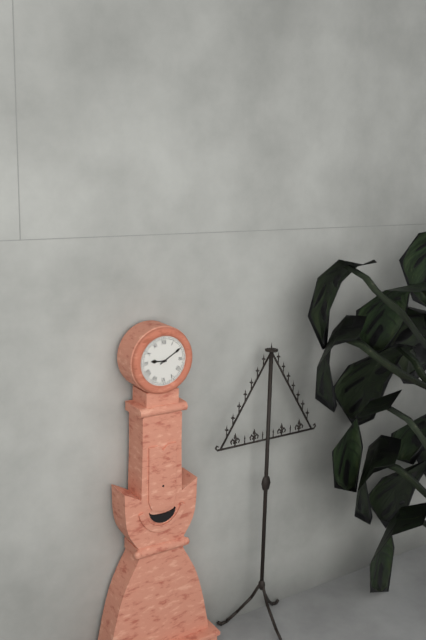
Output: 9h10
